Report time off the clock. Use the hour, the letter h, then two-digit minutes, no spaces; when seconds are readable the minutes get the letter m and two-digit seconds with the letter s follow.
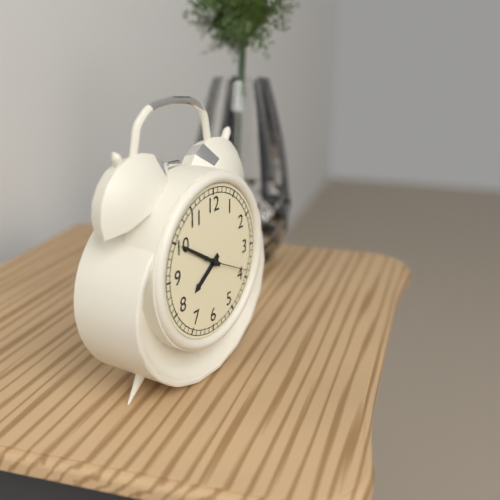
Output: 7h50
